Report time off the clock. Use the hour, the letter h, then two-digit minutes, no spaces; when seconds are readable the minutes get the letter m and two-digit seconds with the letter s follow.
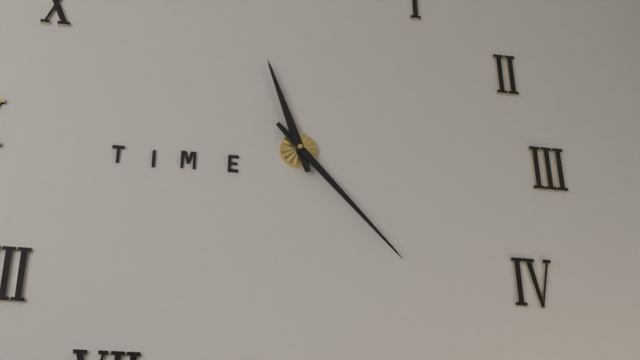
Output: 11h23
